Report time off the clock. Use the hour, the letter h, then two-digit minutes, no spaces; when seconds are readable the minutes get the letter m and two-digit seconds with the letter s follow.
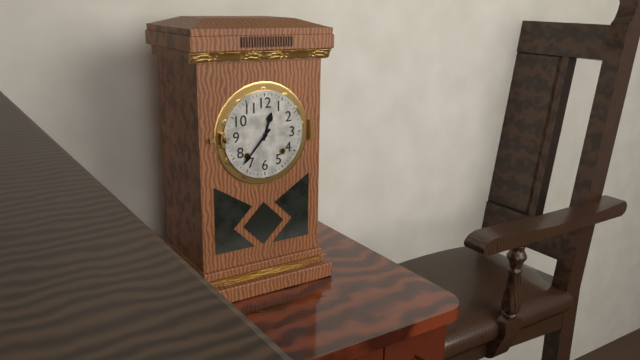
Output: 12h37
